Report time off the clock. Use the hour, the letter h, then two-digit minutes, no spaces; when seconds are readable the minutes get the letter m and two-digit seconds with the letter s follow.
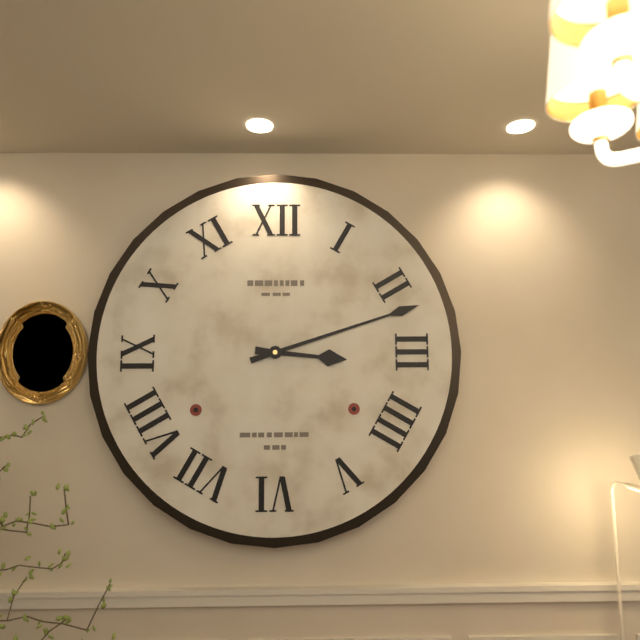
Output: 3h12
